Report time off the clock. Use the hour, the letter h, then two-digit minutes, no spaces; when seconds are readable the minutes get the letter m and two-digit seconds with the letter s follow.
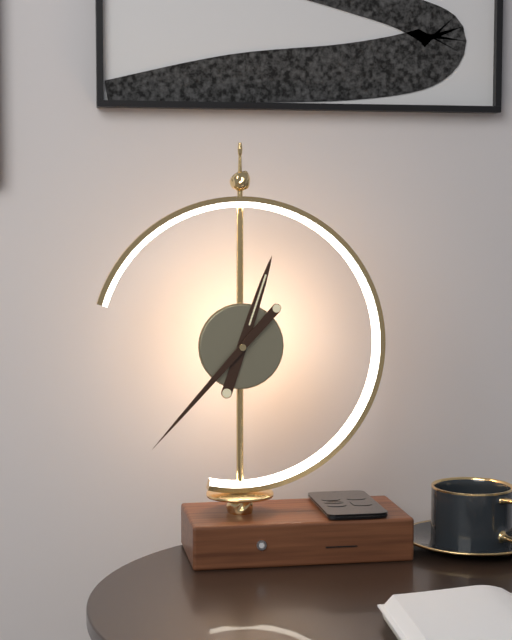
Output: 12h37
